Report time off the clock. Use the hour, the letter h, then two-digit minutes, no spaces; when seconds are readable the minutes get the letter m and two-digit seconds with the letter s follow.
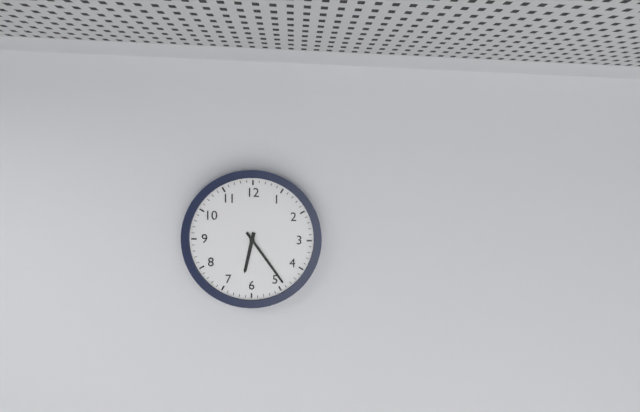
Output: 6h24
